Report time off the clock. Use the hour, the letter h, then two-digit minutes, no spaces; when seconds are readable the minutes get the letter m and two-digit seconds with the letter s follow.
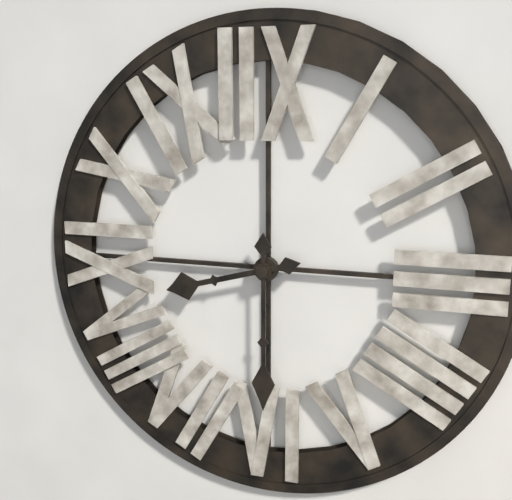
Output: 8h30
